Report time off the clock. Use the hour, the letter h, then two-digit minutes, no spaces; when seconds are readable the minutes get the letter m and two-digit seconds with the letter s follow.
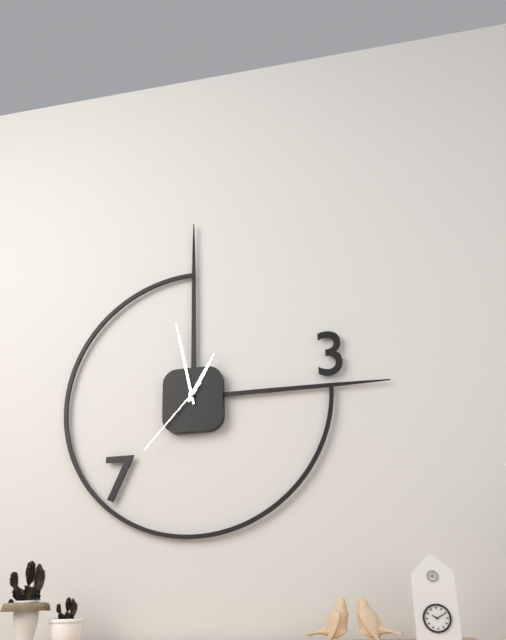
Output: 12h58m37s
